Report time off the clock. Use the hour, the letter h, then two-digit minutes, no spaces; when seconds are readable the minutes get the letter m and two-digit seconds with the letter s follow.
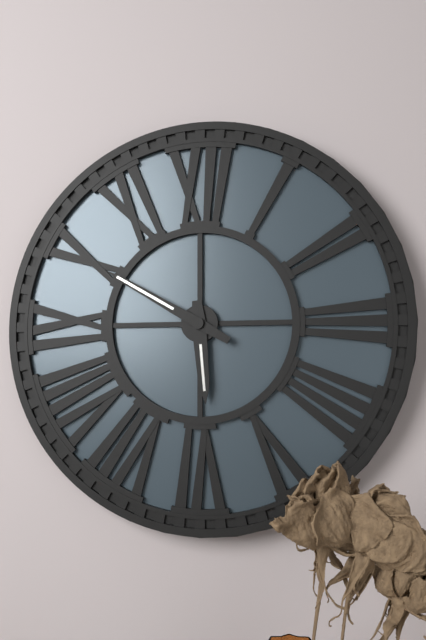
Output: 5h50
